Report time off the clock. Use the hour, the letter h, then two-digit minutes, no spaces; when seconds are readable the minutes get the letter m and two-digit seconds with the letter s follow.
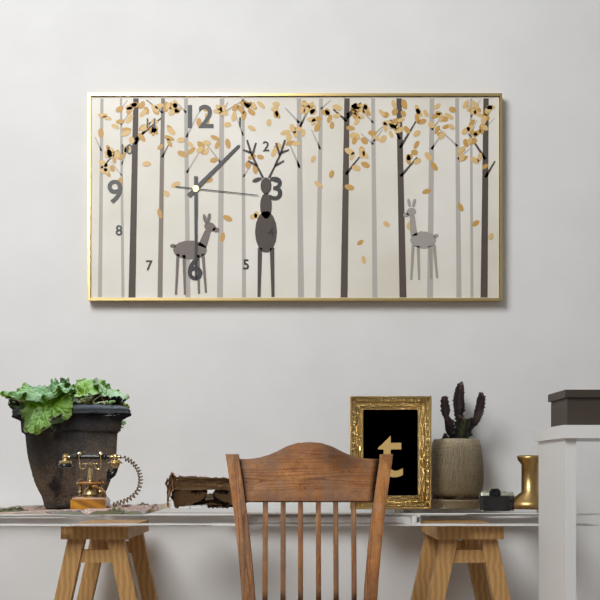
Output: 1h30m16s
